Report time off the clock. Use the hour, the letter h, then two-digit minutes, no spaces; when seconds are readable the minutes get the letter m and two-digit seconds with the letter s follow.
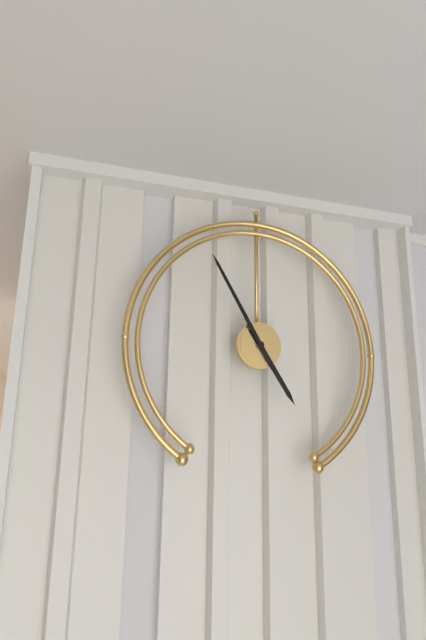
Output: 4h55
